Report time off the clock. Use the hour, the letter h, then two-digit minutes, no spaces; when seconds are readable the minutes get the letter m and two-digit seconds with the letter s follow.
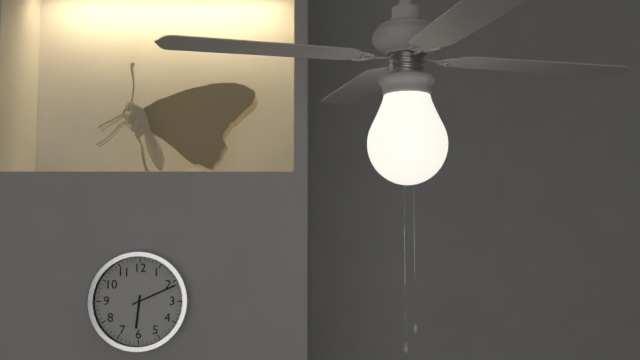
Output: 6h11
